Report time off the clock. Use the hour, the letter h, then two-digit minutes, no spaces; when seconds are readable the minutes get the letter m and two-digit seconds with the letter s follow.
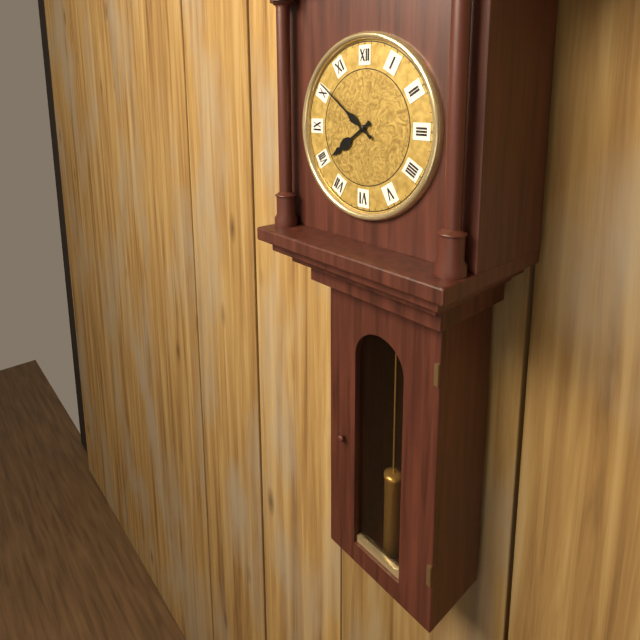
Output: 7h51
